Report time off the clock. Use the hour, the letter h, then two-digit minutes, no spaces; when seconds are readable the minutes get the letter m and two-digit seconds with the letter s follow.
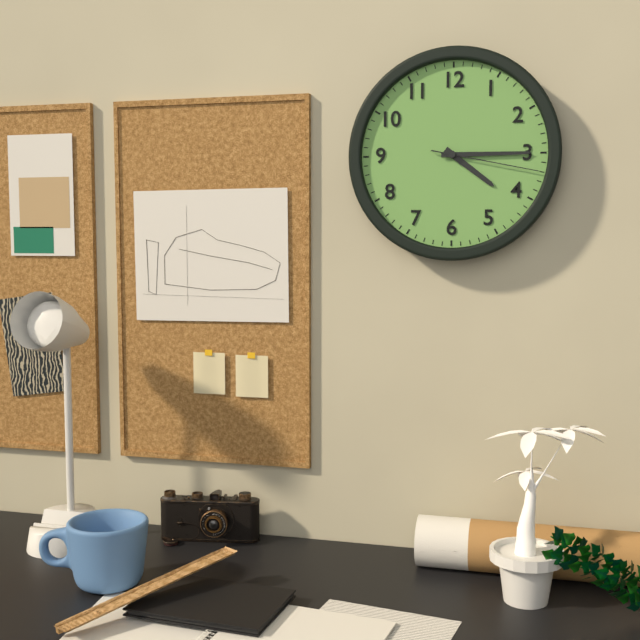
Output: 4h15m17s
